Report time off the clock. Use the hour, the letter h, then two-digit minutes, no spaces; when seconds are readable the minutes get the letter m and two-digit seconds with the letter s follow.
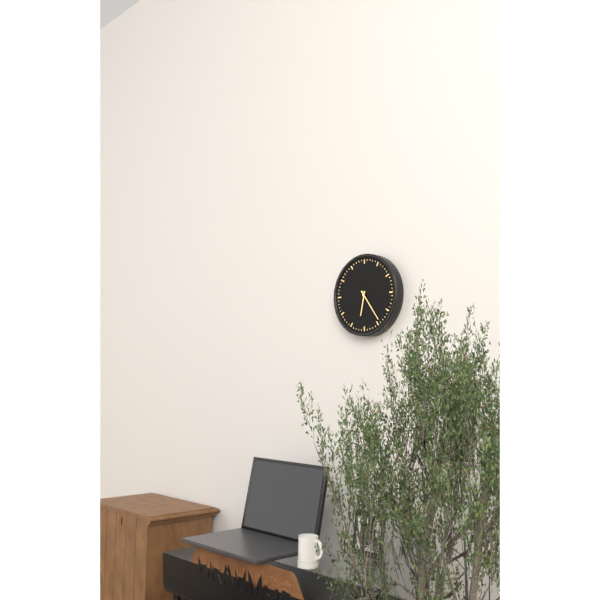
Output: 6h24
